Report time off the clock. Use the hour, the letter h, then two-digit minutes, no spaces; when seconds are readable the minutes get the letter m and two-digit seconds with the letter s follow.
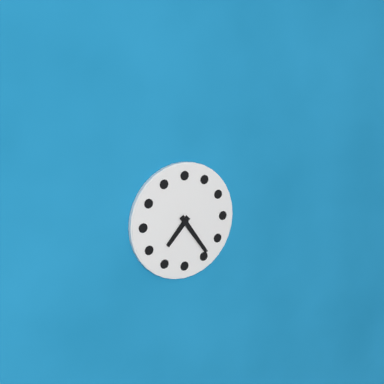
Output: 7h24
